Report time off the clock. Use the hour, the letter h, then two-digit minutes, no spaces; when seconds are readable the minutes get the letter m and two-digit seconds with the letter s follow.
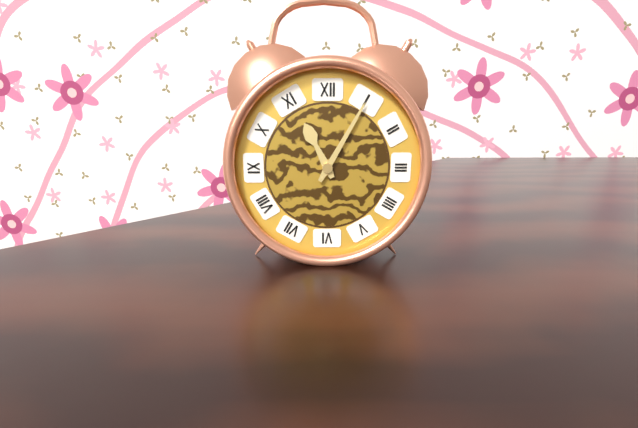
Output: 11h05
